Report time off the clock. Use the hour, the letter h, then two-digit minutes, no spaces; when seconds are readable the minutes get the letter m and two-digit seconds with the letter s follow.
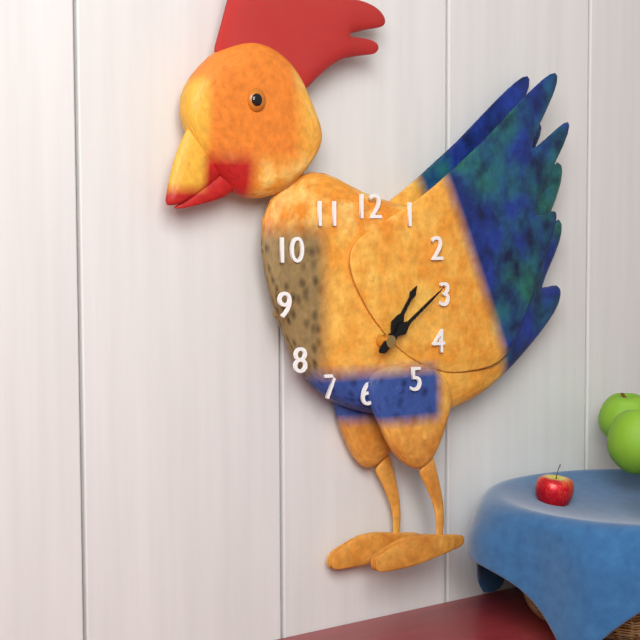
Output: 1h09
